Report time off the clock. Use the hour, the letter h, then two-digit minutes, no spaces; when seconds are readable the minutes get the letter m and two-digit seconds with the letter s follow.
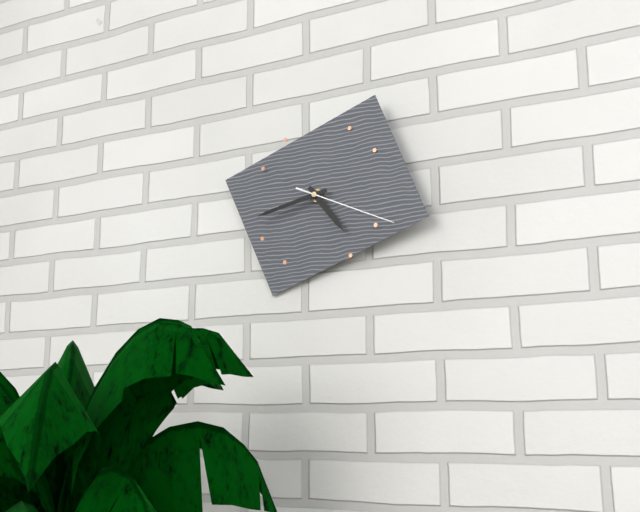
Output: 4h43m19s
